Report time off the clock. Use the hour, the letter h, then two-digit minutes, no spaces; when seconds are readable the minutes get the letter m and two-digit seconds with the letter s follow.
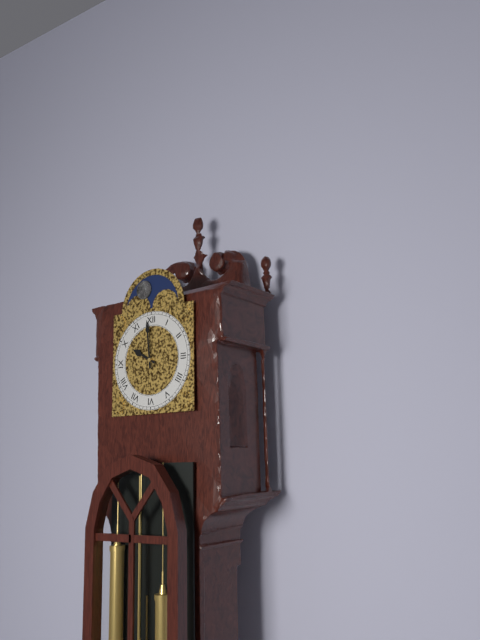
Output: 9h59
